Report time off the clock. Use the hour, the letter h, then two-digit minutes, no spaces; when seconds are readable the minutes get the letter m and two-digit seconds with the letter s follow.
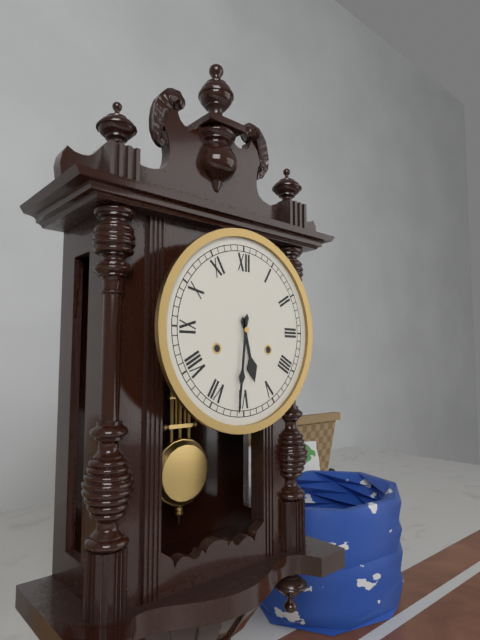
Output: 5h31
